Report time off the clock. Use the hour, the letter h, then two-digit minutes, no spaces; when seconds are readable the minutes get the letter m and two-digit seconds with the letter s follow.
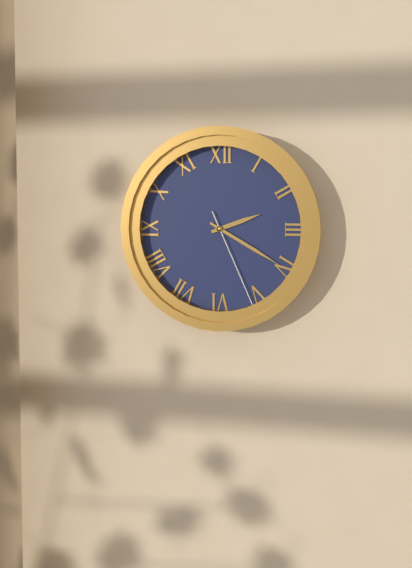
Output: 2h20m26s
